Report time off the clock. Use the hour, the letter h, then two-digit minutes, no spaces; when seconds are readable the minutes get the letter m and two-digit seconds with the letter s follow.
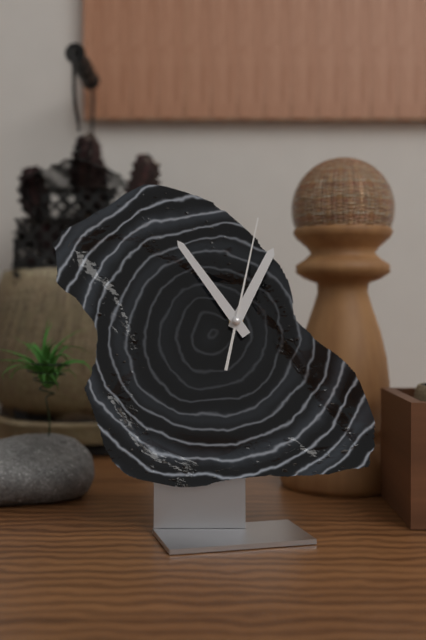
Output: 12h54m02s
